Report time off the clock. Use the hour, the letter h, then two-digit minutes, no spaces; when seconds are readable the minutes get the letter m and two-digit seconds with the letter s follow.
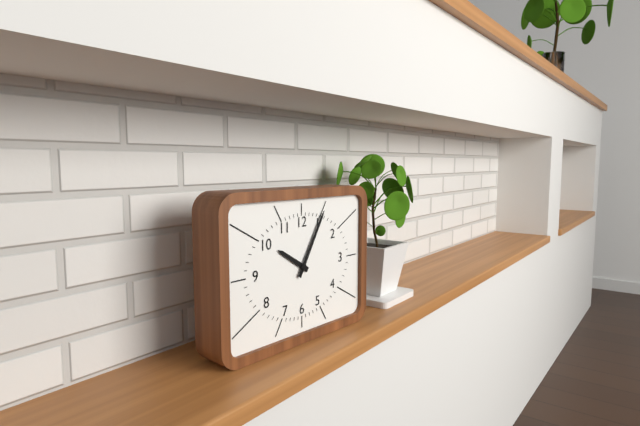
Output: 10h05
